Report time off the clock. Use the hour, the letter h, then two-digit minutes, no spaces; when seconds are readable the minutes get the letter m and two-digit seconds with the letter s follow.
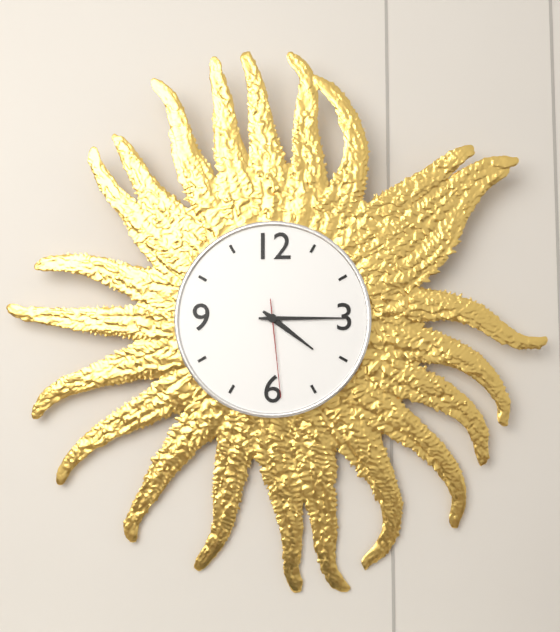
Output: 4h15m29s
